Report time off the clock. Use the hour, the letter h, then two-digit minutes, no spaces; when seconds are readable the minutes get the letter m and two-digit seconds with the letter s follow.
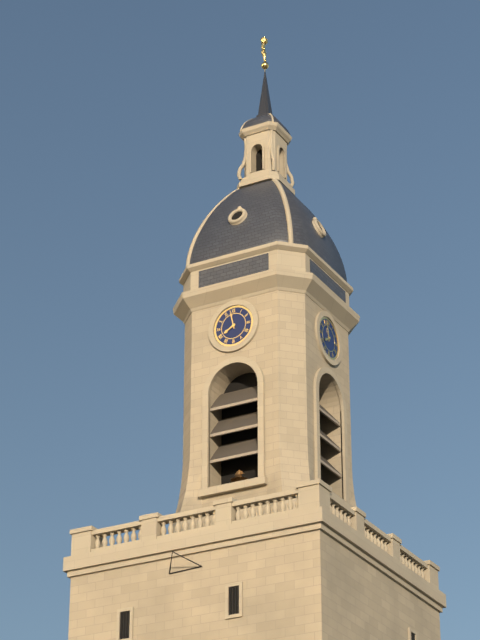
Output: 7h58
